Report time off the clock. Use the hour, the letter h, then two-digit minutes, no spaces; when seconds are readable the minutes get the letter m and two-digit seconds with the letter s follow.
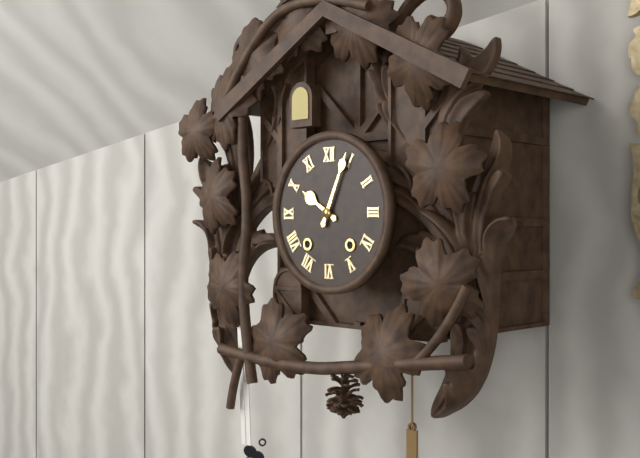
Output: 10h04
